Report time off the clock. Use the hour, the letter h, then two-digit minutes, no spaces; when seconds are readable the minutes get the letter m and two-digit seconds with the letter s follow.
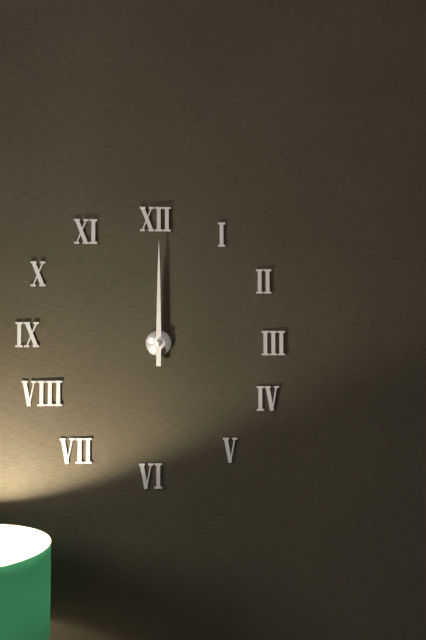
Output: 12h00
